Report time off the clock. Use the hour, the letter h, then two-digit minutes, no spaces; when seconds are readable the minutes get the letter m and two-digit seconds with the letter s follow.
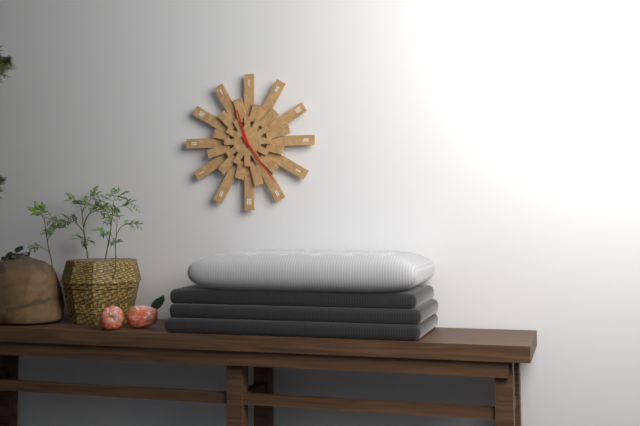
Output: 11h24
